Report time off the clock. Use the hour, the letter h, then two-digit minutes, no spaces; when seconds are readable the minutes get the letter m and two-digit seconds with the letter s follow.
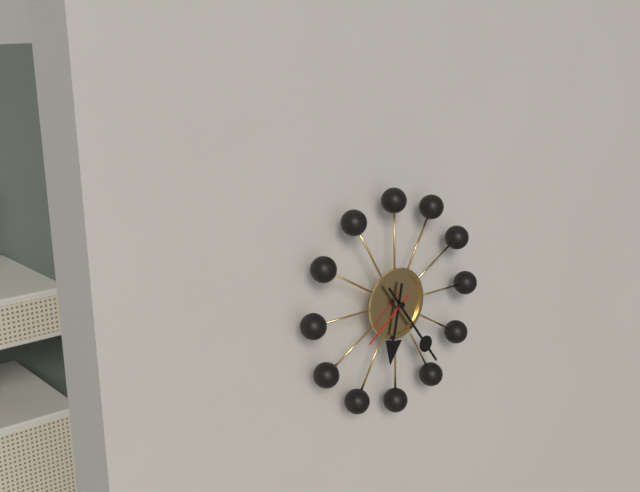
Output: 6h24m39s
